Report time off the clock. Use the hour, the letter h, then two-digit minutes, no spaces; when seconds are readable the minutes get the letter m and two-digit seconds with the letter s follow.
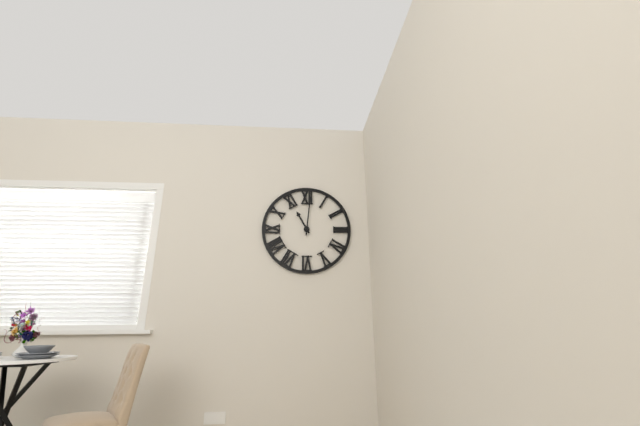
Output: 11h01
